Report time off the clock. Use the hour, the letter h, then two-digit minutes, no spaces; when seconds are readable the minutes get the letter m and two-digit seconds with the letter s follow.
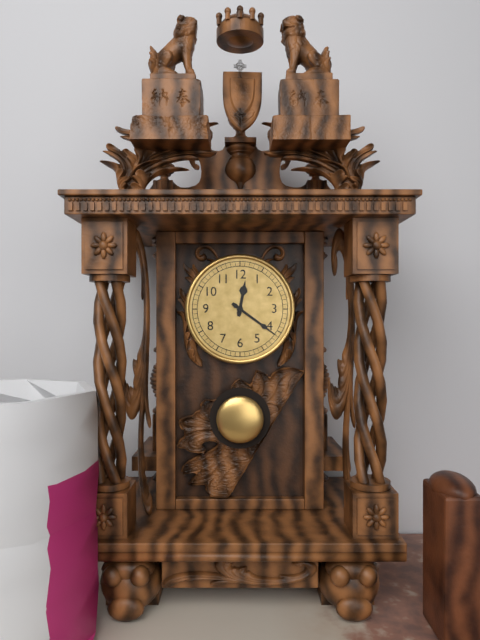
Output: 12h21
